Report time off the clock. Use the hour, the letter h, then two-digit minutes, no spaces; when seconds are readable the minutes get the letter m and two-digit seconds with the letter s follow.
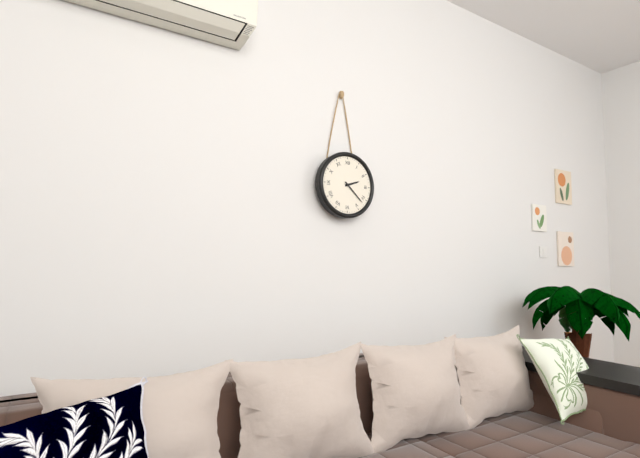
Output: 2h22
